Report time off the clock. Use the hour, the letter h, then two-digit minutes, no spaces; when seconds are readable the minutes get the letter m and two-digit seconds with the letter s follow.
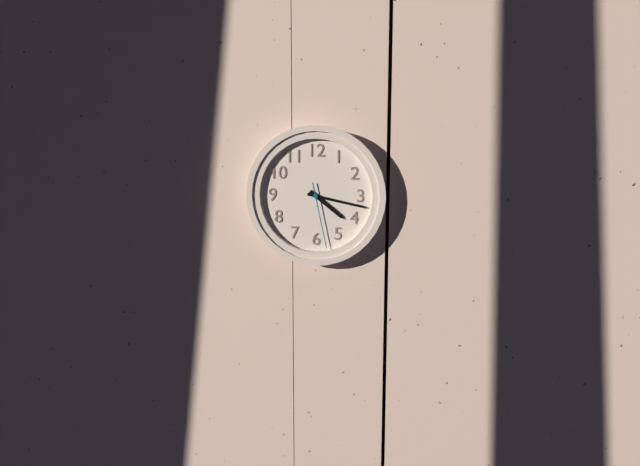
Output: 4h17m28s
